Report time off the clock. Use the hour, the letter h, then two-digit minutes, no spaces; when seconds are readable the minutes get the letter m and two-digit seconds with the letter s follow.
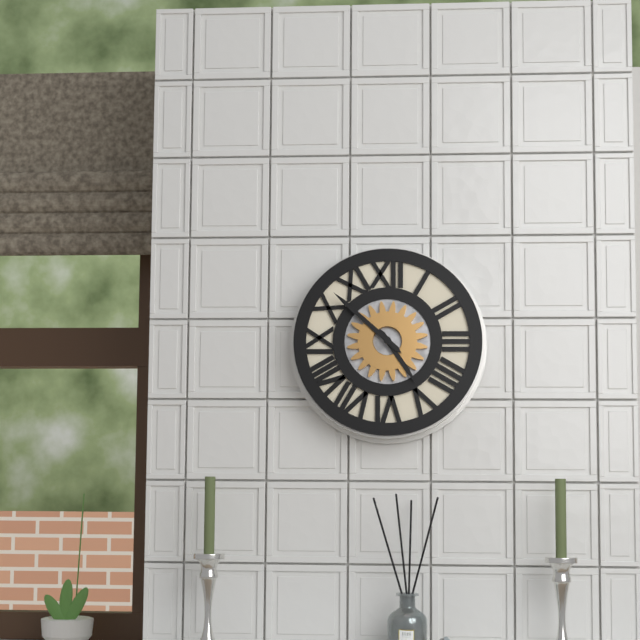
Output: 4h52
